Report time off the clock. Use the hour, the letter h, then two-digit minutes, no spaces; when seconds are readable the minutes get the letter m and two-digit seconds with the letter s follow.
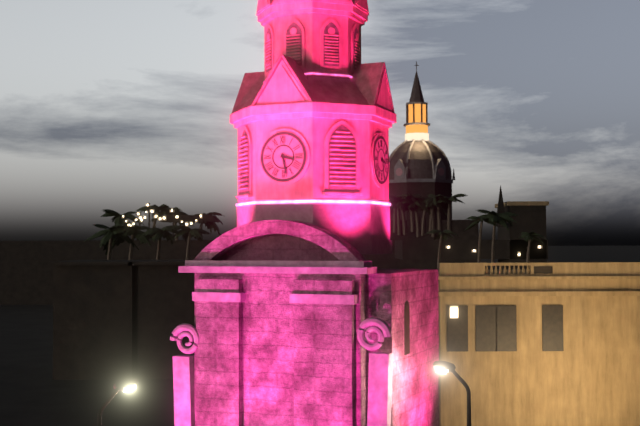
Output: 3h28
